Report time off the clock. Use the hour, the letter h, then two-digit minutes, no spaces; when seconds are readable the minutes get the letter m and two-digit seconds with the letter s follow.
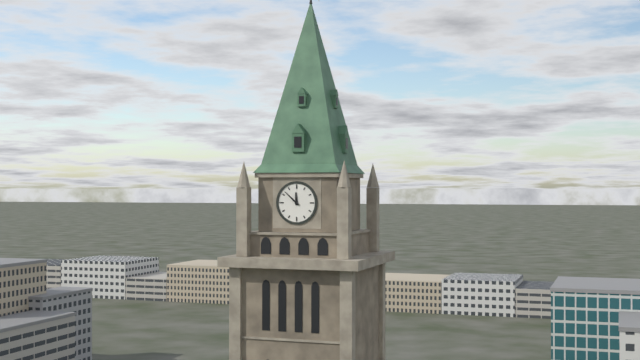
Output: 11h52
